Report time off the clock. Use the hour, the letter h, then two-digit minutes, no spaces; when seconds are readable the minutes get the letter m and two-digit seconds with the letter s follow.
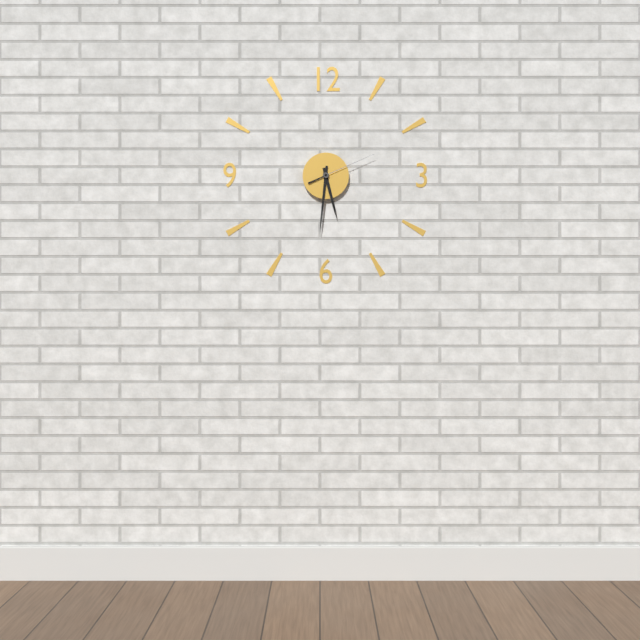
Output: 5h31m11s
